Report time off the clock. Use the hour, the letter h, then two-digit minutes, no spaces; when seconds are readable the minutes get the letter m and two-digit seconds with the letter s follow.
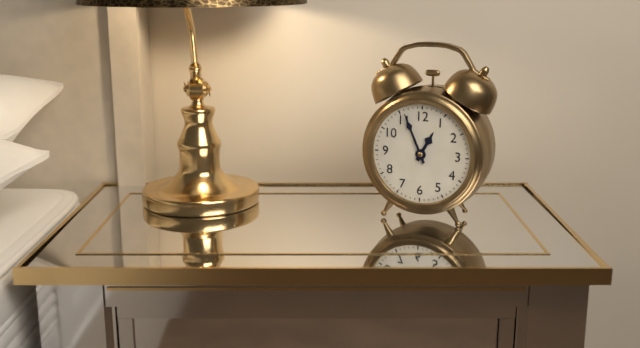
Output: 12h56
